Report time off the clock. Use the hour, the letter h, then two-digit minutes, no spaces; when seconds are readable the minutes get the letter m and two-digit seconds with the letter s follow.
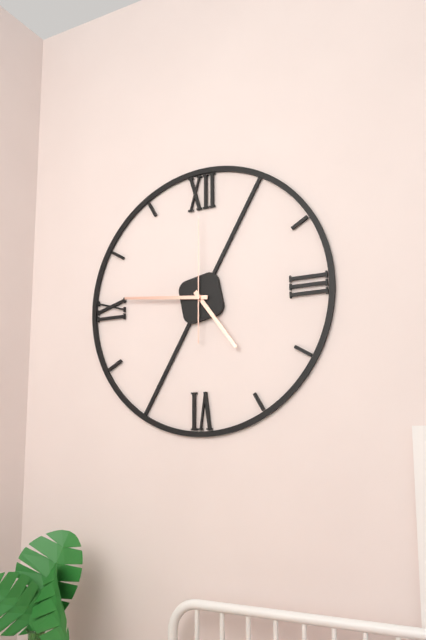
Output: 4h46m00s
